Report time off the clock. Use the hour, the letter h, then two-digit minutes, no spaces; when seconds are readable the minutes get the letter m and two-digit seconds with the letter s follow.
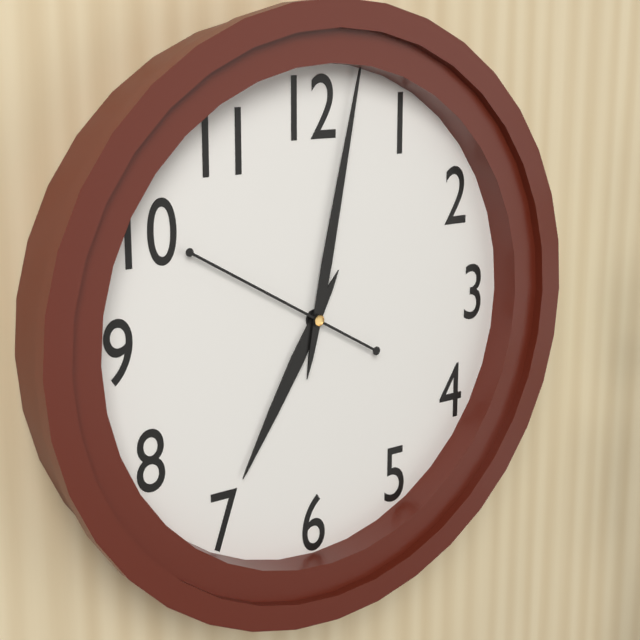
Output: 7h02m50s
